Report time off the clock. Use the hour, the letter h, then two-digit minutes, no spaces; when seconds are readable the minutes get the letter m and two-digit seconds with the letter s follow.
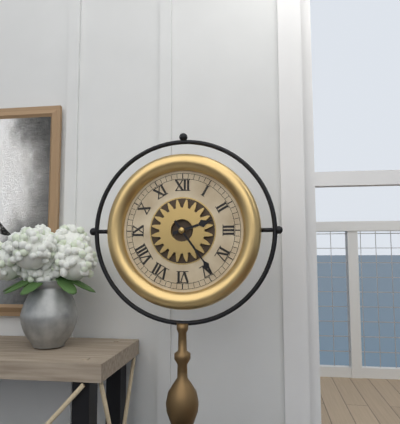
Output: 2h24
